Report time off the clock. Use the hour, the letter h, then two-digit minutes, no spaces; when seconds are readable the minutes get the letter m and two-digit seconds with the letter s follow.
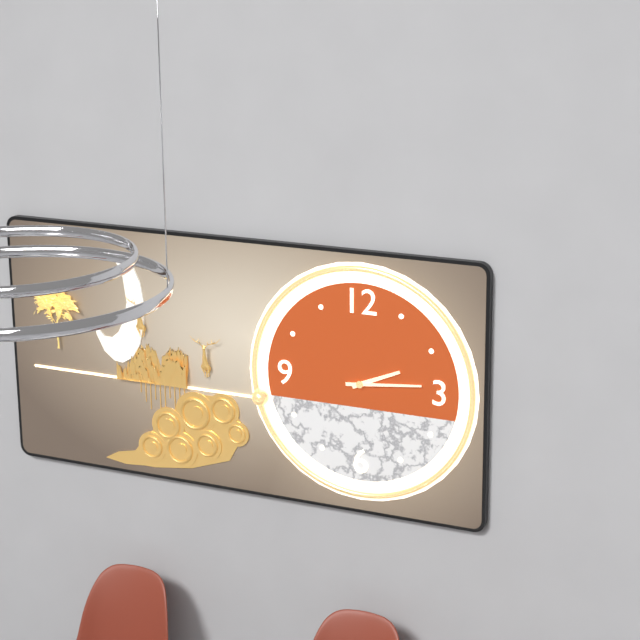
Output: 2h14
